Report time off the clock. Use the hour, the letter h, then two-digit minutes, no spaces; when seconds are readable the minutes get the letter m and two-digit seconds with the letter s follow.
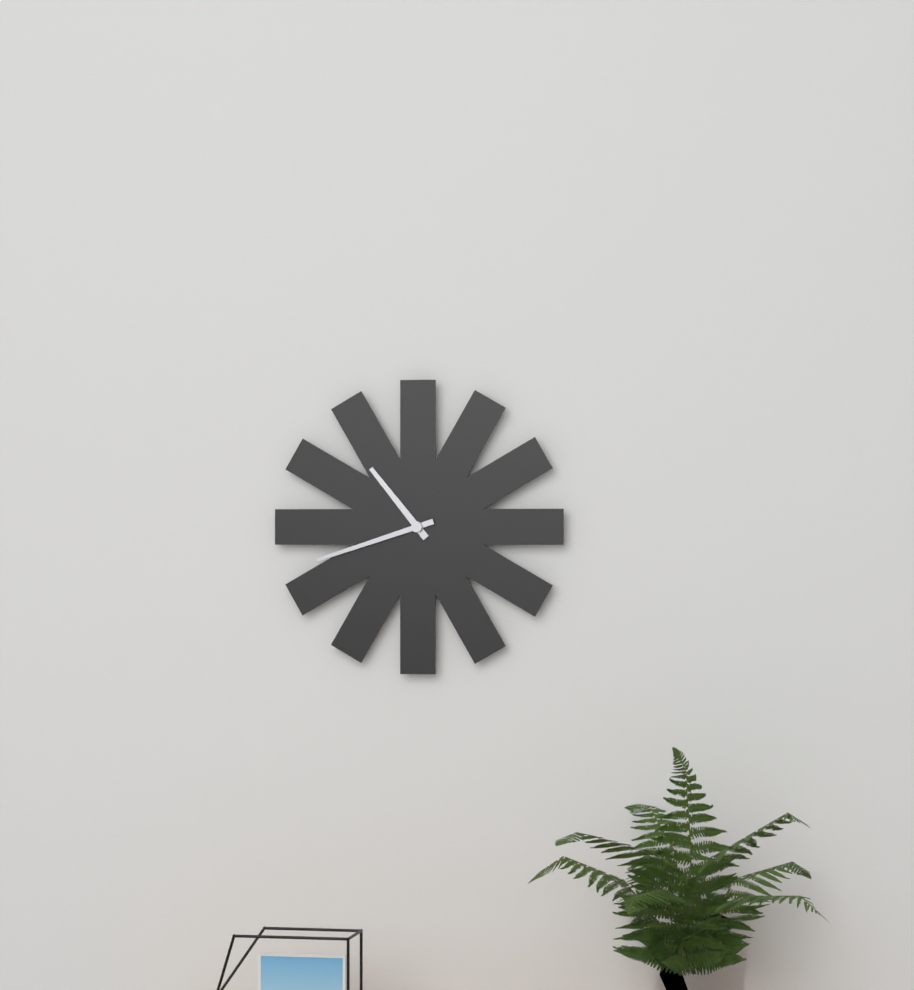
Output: 10h42
